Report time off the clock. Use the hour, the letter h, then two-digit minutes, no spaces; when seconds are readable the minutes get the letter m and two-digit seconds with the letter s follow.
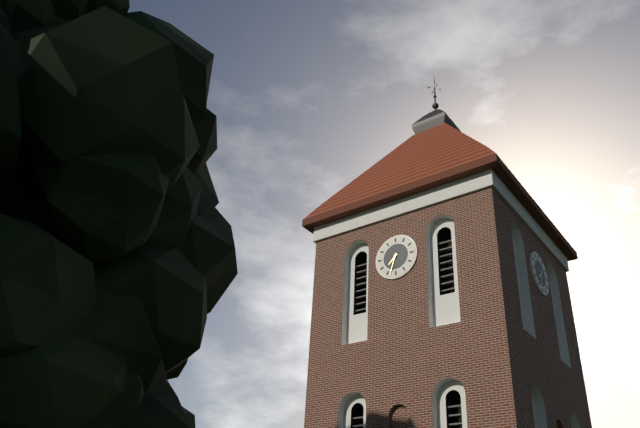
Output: 7h33
